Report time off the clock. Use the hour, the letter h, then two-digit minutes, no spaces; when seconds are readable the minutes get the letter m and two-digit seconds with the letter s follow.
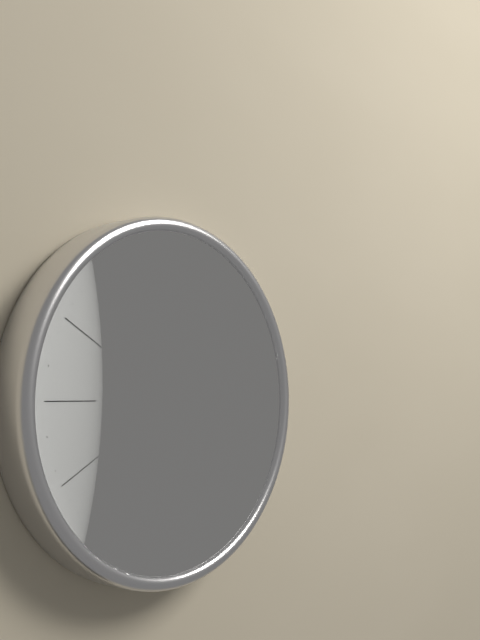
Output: 10h57
